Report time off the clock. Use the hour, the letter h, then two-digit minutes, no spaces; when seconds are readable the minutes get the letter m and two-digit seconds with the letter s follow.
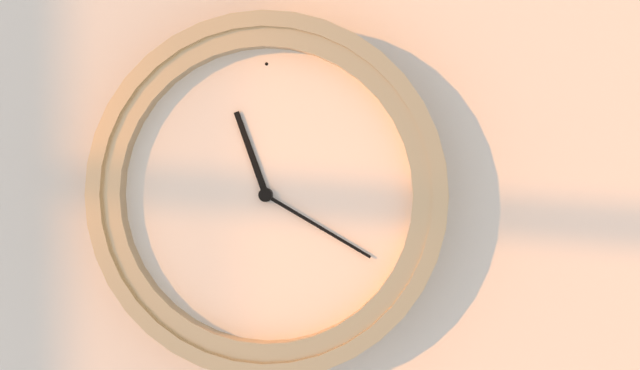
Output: 11h20
